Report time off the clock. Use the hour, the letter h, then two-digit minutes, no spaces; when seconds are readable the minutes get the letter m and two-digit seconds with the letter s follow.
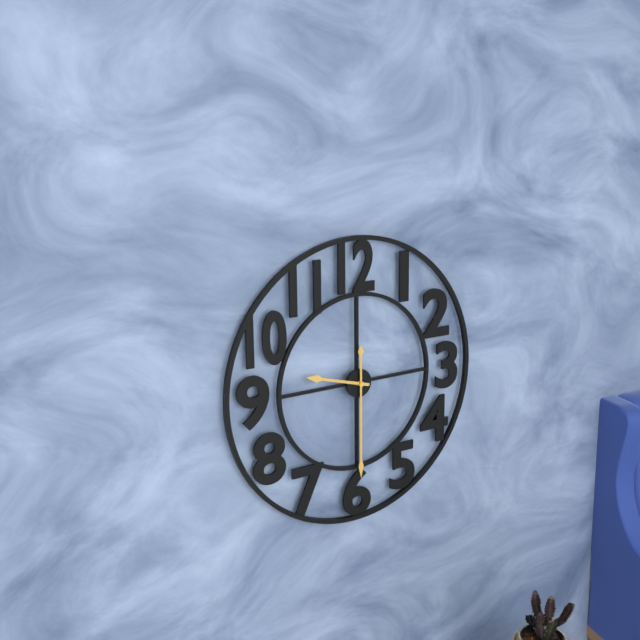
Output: 9h30
